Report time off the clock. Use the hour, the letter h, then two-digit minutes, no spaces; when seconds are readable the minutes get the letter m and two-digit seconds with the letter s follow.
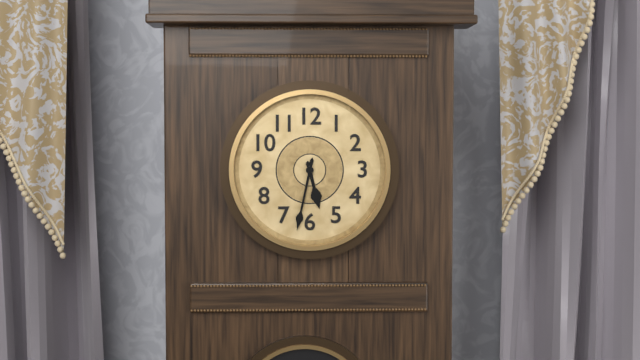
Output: 5h32
